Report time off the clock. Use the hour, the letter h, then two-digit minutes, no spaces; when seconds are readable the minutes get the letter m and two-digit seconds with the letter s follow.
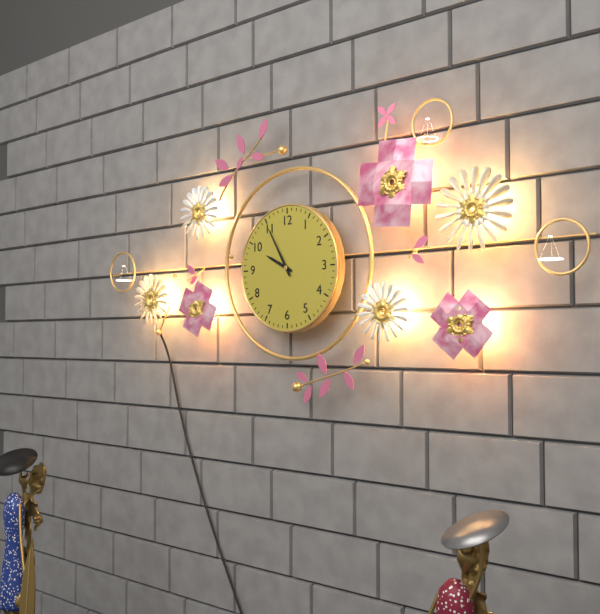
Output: 9h55
